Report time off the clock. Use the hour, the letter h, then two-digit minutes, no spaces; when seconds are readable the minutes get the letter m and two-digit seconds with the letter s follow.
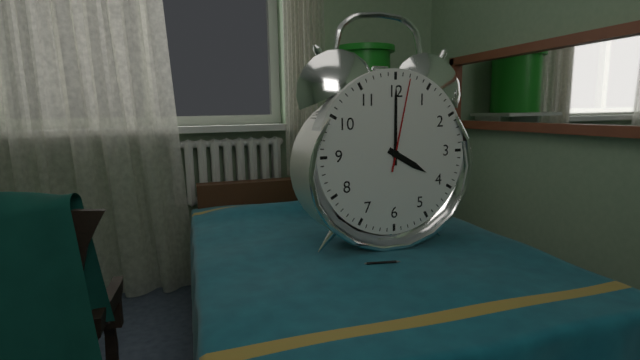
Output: 4h00m02s
